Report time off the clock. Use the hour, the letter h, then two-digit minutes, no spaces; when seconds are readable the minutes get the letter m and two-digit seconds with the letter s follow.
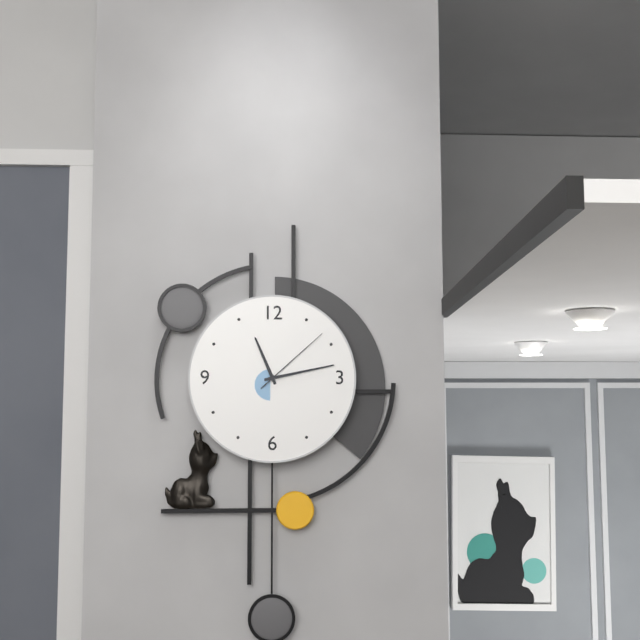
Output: 11h13m08s
